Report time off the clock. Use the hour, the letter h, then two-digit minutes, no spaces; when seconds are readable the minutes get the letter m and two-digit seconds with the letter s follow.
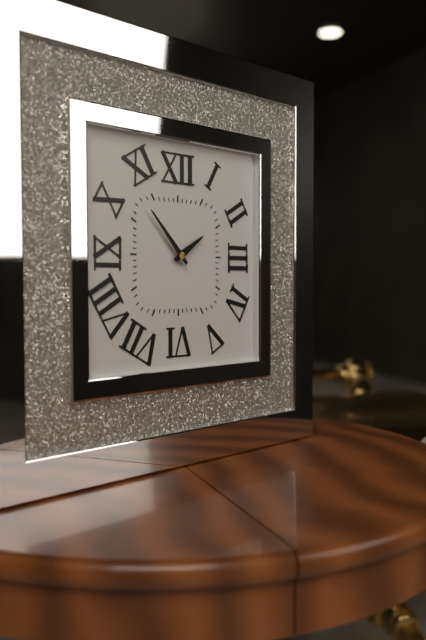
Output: 1h53
